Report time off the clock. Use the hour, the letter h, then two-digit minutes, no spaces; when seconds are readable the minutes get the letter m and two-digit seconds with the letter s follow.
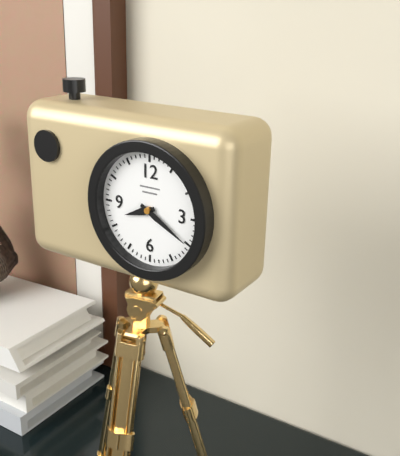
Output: 8h20
